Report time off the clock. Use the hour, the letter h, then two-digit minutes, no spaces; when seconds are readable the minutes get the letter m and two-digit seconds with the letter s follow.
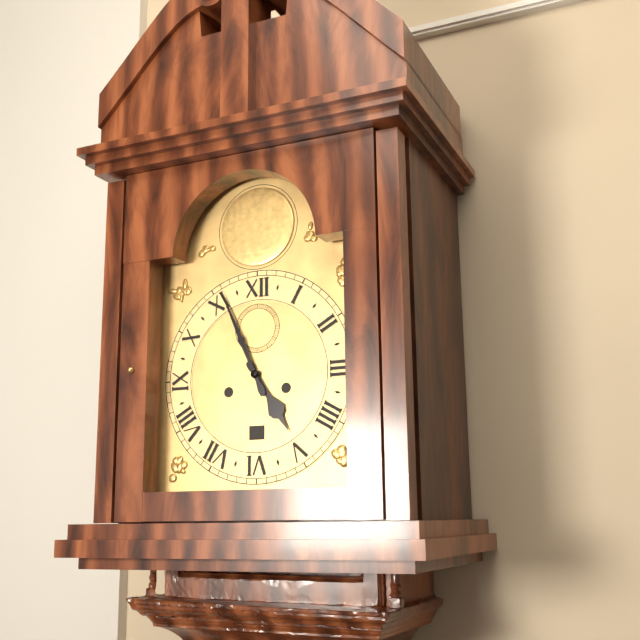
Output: 4h56
